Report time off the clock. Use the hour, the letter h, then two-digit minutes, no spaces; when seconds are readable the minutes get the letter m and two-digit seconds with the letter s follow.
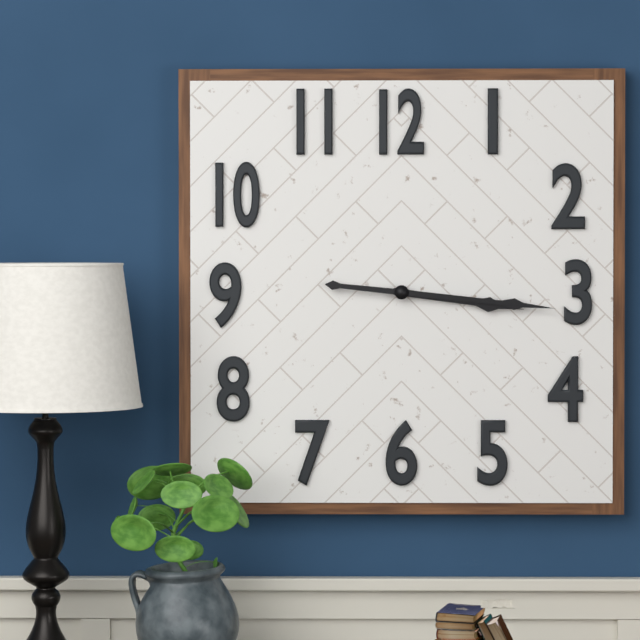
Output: 3h16
